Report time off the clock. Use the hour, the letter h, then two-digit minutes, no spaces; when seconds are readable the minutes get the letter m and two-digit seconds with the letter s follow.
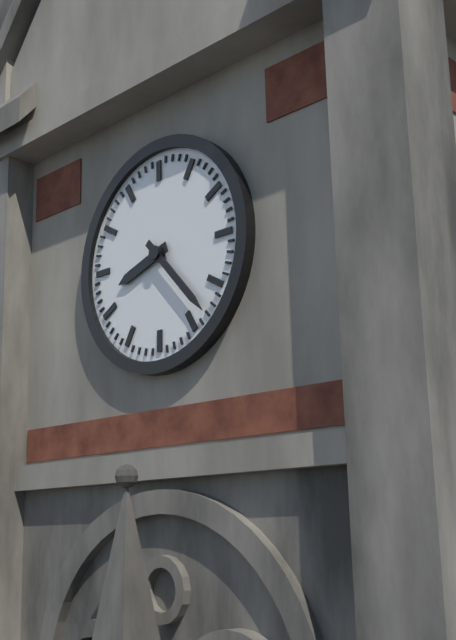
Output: 8h23
